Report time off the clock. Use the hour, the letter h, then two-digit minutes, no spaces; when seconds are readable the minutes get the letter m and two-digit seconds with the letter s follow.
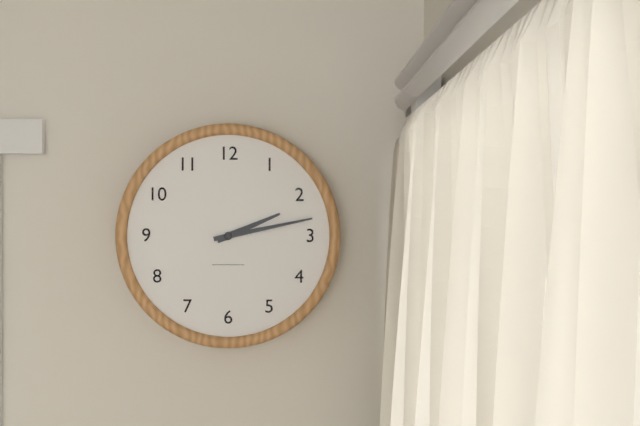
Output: 2h13
